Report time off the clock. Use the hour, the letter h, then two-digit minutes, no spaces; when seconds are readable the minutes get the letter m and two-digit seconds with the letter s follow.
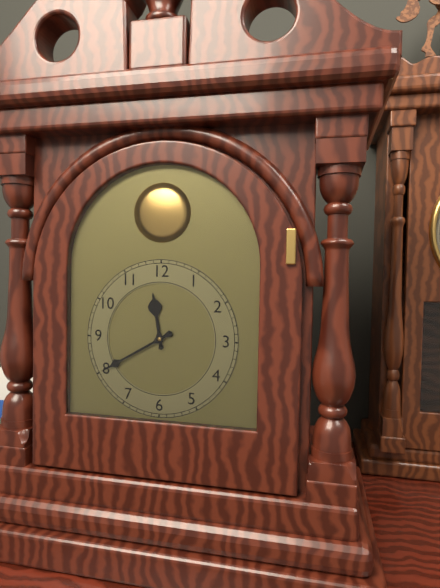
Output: 11h40
